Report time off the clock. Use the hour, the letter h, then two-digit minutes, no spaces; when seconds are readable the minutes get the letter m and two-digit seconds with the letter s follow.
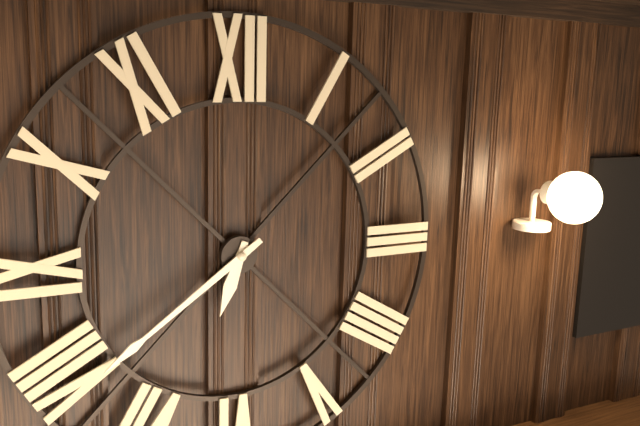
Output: 6h39
